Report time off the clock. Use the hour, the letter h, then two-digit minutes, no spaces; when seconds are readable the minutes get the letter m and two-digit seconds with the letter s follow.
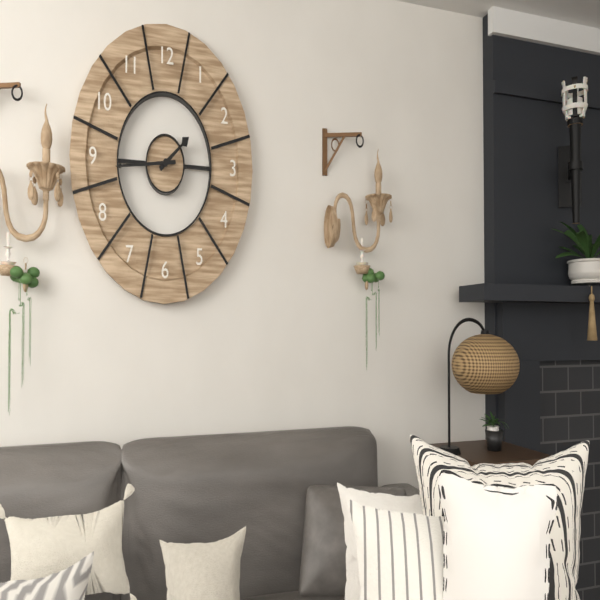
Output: 1h44
